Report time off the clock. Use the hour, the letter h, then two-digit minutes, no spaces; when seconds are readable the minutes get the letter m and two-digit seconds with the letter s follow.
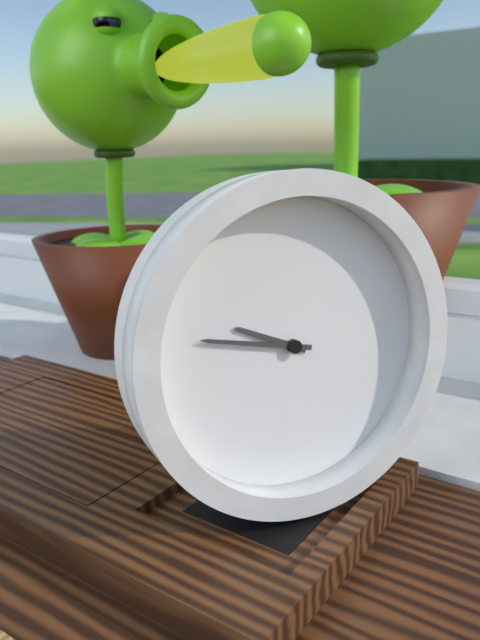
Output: 9h47
